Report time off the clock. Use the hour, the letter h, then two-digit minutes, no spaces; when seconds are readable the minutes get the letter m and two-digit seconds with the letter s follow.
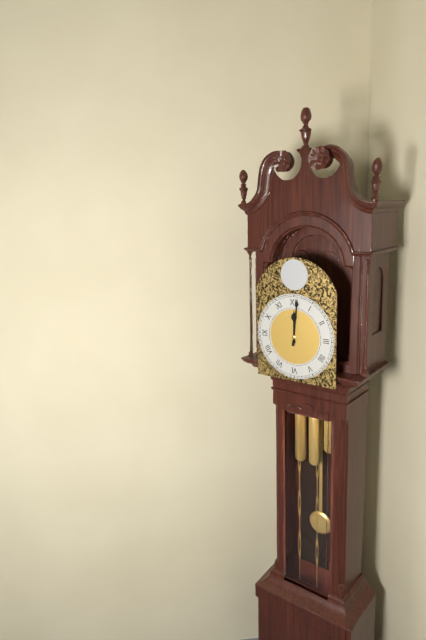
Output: 12h01
